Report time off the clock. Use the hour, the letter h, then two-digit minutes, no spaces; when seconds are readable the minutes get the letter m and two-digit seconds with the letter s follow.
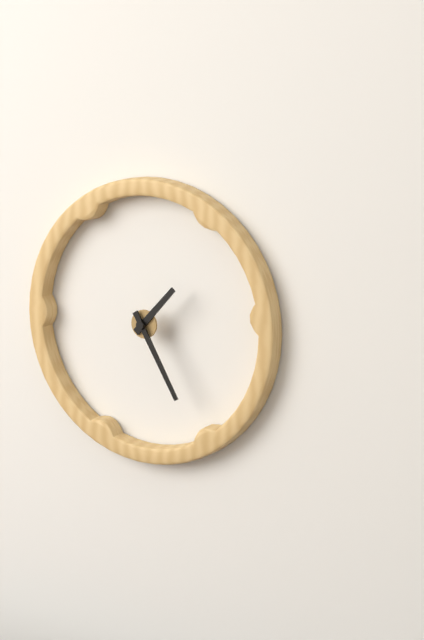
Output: 1h25
